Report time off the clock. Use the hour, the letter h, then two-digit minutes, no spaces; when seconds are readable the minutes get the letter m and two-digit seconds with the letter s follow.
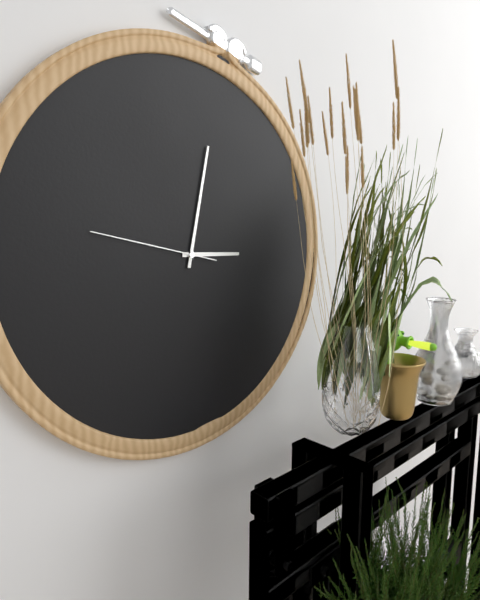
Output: 3h02m47s
